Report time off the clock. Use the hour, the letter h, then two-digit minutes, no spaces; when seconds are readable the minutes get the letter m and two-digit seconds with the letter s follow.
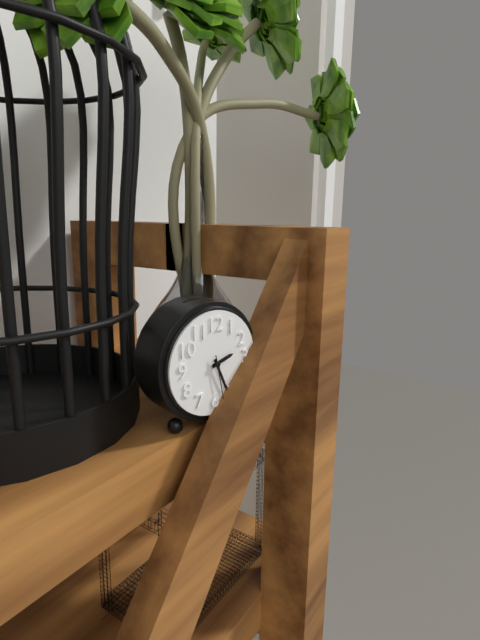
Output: 2h26
